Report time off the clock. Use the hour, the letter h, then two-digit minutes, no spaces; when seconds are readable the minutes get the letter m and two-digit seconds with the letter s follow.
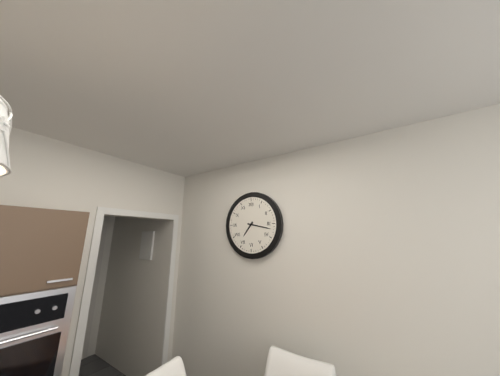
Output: 7h17
